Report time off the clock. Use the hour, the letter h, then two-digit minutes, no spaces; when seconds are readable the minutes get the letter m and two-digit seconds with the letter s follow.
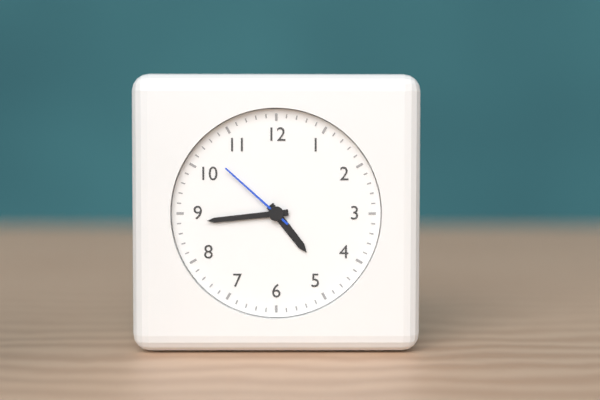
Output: 4h44m52s
